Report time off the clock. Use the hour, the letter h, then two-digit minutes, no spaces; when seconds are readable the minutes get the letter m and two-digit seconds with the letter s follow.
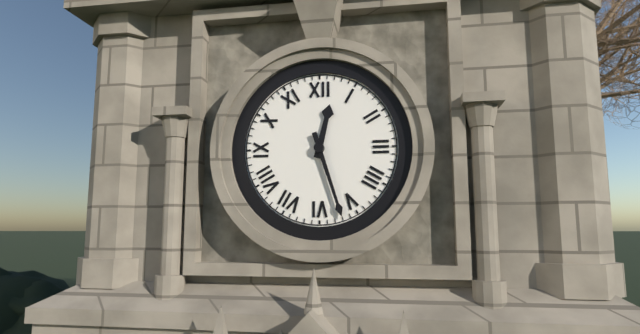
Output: 12h27
